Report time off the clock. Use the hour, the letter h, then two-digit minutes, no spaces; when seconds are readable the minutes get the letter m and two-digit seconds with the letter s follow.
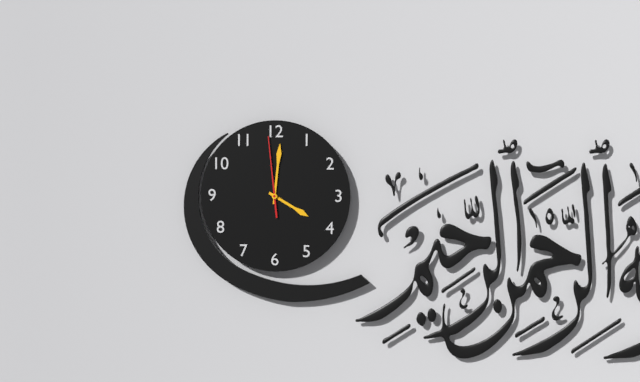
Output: 4h01m59s
